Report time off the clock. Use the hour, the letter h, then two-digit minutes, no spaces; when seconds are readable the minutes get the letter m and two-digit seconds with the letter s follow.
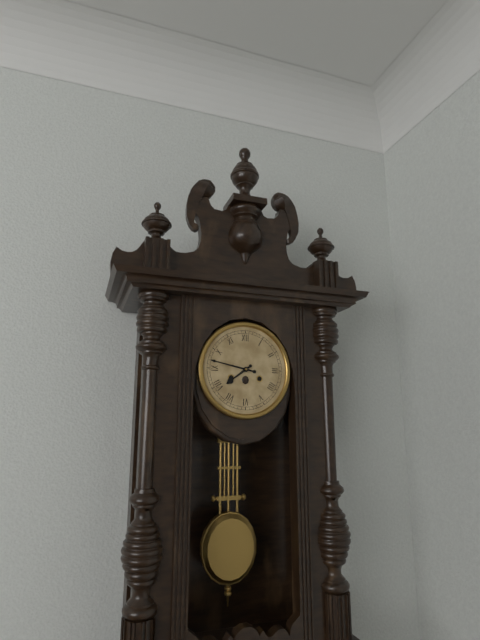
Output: 7h47
